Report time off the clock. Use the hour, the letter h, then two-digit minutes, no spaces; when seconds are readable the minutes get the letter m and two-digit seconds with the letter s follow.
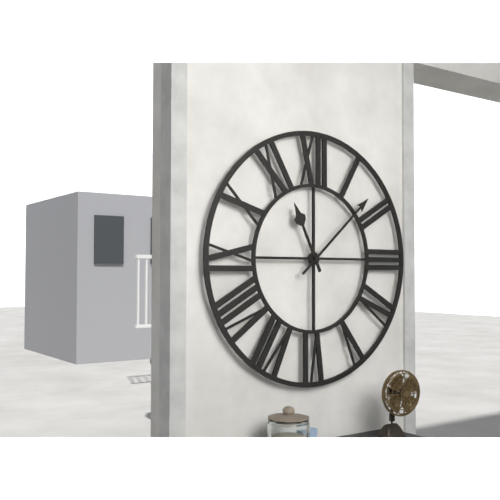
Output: 11h08
